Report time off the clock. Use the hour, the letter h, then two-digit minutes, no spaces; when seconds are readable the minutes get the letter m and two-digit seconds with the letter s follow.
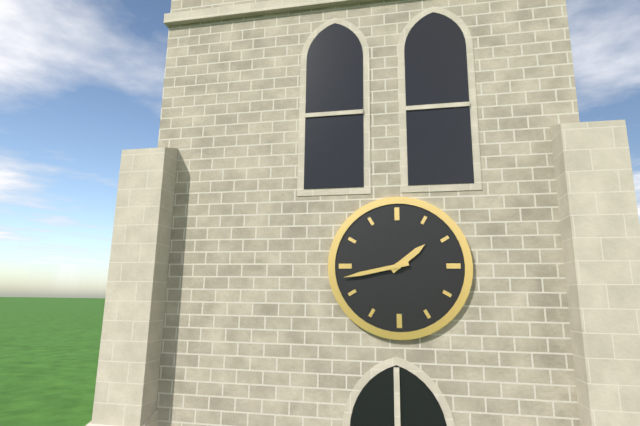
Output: 1h43
